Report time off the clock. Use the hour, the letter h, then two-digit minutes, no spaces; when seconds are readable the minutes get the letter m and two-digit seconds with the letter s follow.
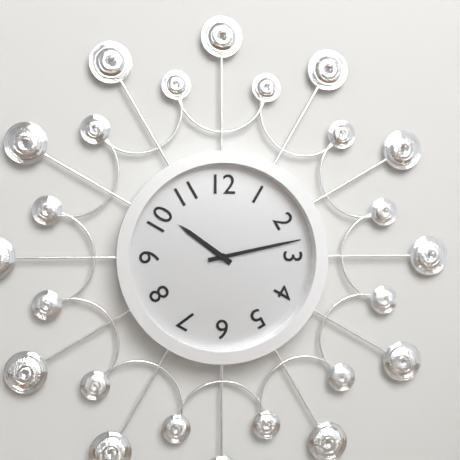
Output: 10h13
